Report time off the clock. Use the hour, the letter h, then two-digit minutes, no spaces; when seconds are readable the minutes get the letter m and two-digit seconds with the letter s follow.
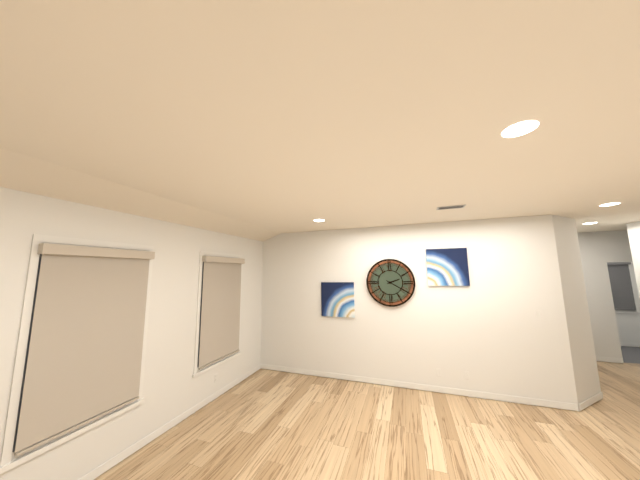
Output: 2h20
